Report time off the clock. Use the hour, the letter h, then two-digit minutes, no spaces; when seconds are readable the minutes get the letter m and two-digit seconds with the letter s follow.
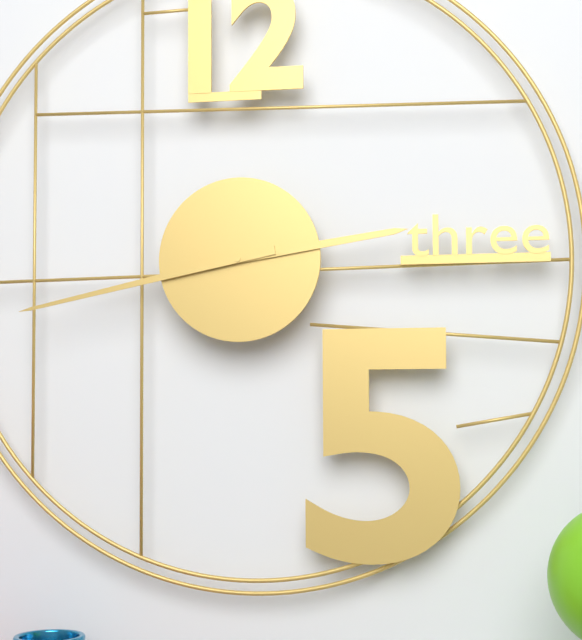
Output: 2h43
